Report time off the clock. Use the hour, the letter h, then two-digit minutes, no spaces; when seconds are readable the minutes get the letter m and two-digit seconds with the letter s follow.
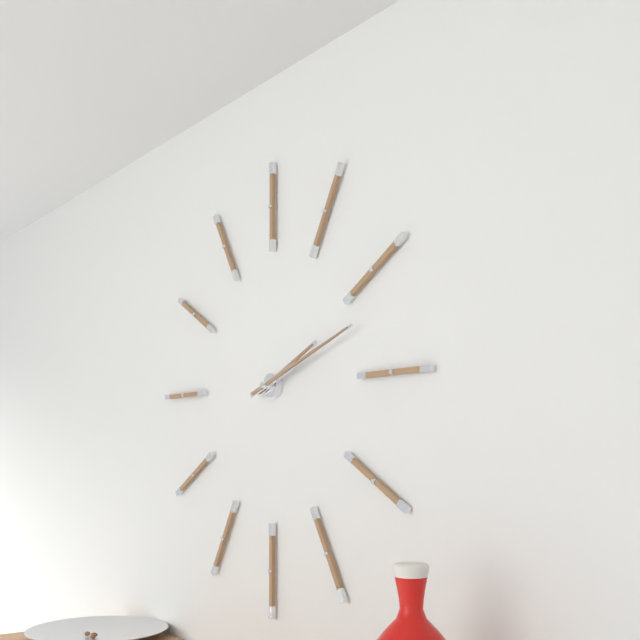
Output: 2h12
